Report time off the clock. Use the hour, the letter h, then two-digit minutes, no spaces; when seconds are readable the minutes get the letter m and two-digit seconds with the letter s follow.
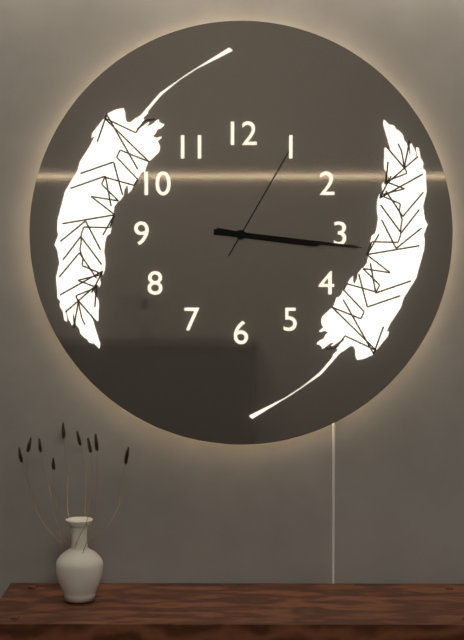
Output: 3h16m05s
